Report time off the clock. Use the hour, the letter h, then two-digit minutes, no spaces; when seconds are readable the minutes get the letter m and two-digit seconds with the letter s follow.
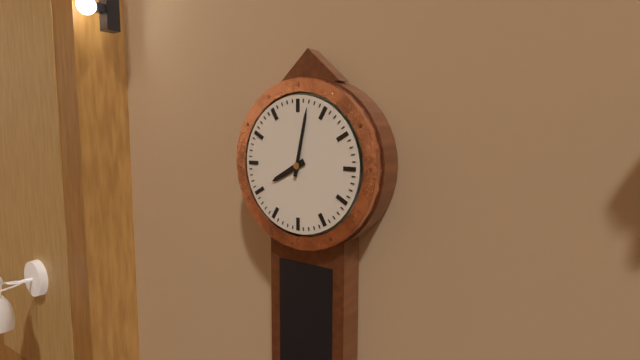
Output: 8h02
